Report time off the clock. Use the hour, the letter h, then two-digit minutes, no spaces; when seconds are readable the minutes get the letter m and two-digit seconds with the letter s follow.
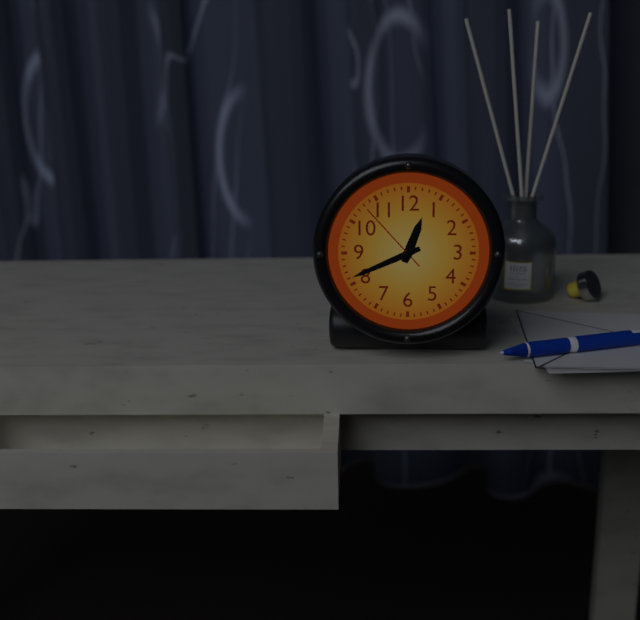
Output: 12h41m53s
